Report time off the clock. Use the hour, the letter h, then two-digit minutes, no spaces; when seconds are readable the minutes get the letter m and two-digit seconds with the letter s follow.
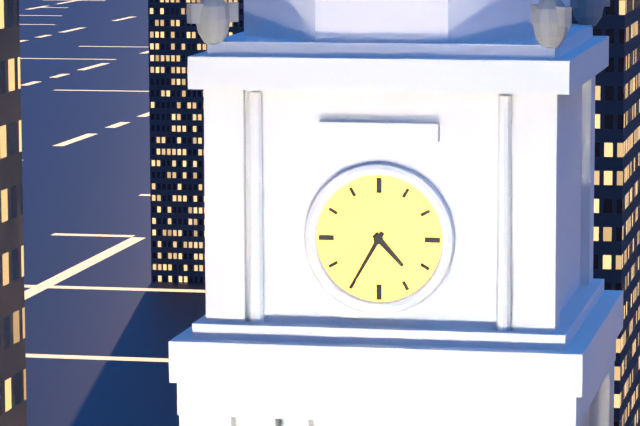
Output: 4h35
